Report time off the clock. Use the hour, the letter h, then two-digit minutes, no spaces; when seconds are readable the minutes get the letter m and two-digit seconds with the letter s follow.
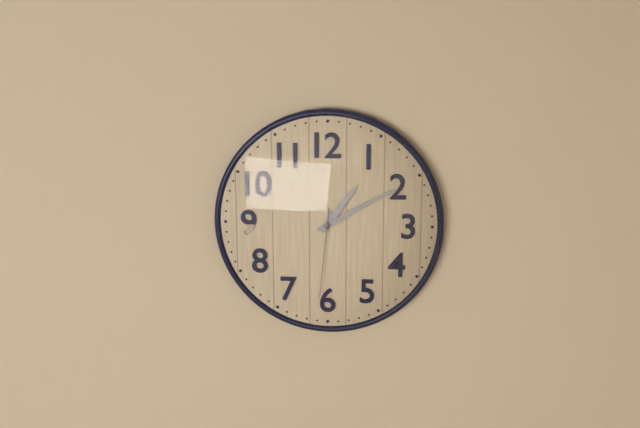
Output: 1h10m31s
